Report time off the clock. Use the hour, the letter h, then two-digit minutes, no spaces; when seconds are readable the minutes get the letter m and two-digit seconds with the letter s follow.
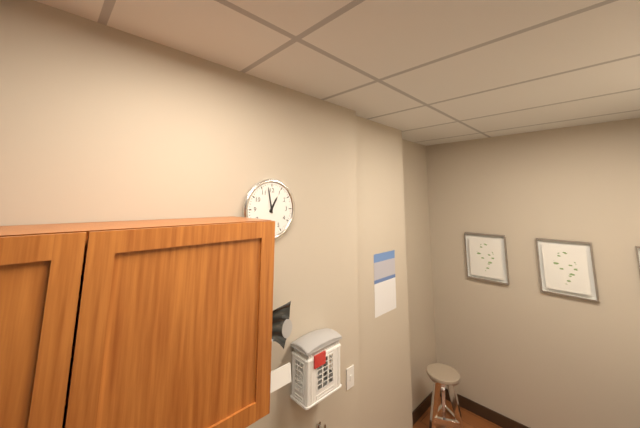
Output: 12h58
